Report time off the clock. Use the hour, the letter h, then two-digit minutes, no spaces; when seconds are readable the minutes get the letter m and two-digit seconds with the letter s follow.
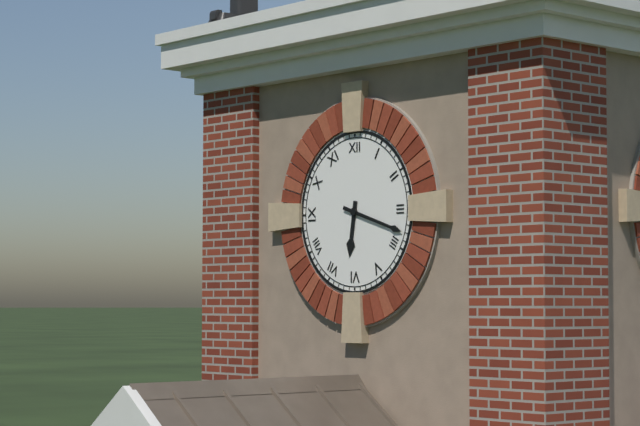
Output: 6h18
